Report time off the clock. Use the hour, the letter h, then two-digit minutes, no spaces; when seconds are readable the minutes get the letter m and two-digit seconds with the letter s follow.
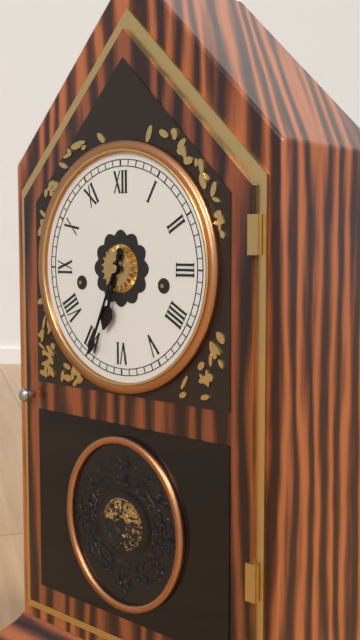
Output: 6h34
